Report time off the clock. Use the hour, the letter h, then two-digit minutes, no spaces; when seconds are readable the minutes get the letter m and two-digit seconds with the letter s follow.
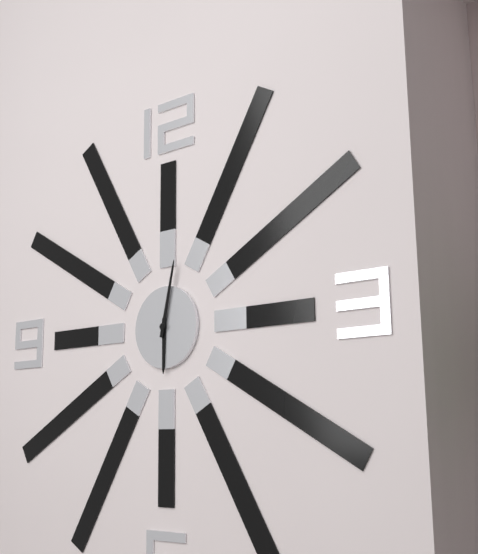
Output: 6h02
